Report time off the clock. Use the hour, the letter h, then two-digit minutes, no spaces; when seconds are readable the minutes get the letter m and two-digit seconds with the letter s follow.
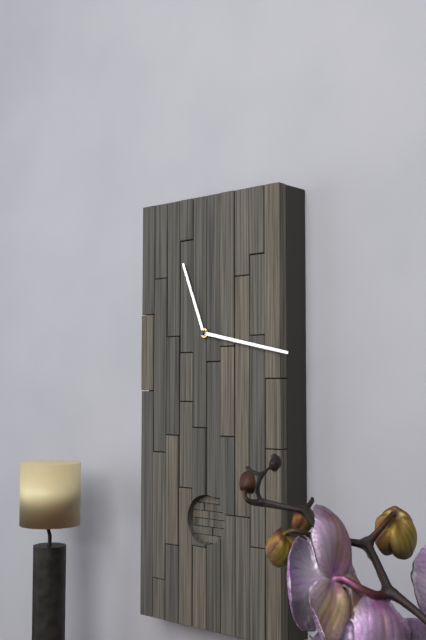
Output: 11h17
